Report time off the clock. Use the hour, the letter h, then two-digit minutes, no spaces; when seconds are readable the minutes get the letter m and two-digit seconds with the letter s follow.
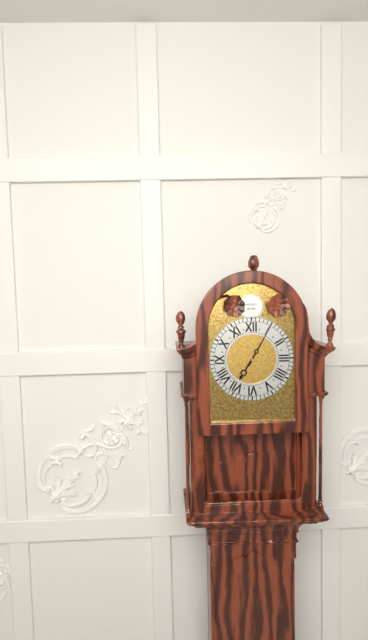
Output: 7h05
